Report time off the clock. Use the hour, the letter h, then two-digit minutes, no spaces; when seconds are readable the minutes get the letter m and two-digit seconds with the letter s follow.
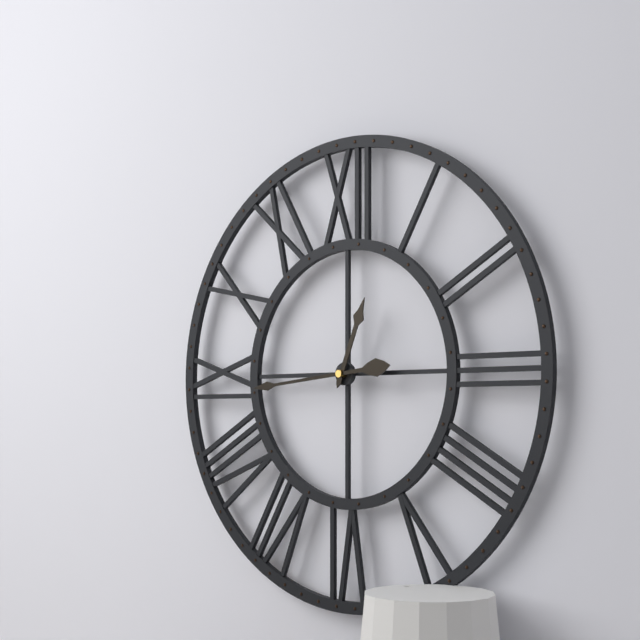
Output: 12h44
